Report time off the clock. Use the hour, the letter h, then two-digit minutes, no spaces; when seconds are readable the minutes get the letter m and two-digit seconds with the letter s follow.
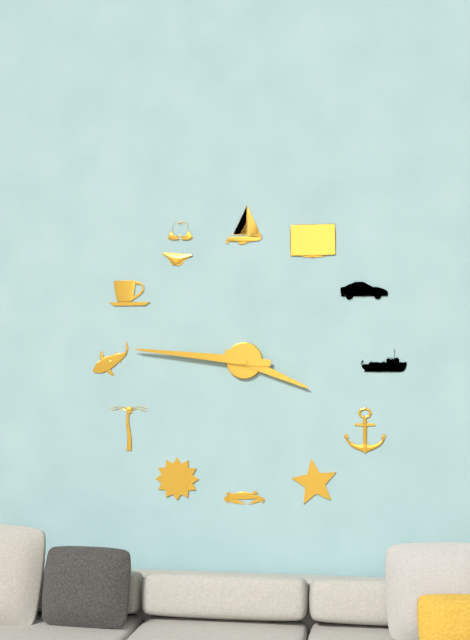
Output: 3h46
